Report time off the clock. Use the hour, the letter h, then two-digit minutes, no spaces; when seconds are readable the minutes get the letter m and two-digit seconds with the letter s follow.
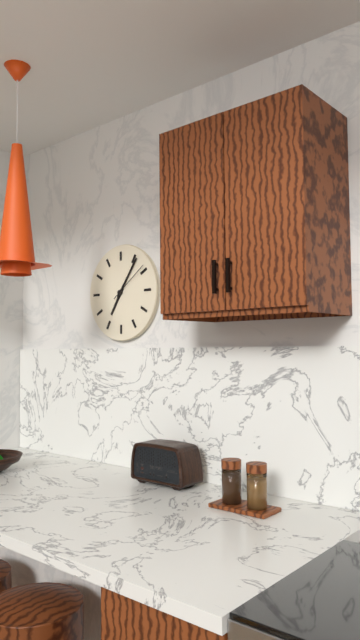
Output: 7h06
